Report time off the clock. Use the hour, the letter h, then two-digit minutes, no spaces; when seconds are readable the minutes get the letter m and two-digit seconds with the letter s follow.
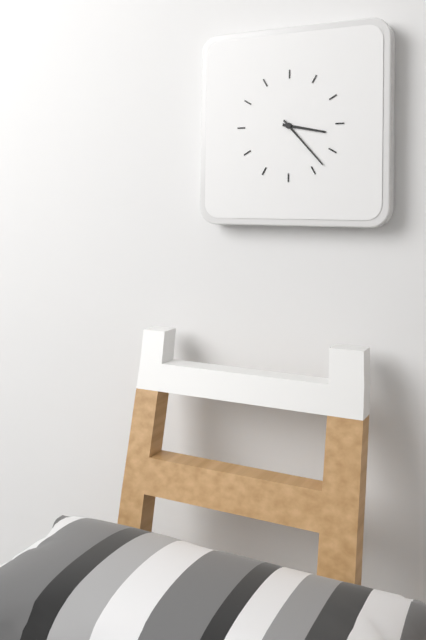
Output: 3h23
